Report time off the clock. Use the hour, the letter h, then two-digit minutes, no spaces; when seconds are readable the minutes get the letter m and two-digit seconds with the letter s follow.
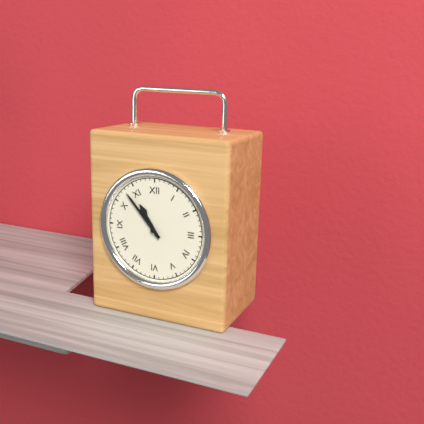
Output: 10h53
